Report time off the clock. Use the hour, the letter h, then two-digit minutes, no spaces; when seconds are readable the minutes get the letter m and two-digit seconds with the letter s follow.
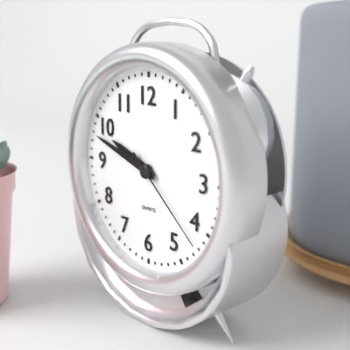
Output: 9h48m22s
